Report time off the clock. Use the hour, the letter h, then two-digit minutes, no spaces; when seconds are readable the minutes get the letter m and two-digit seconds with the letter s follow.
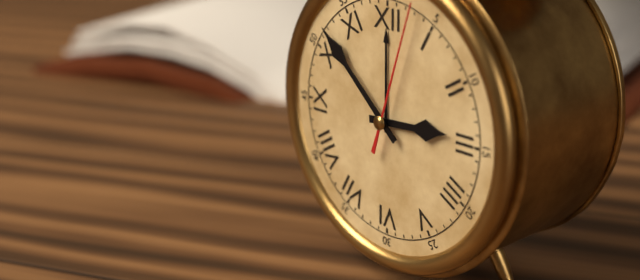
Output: 2h52m03s
